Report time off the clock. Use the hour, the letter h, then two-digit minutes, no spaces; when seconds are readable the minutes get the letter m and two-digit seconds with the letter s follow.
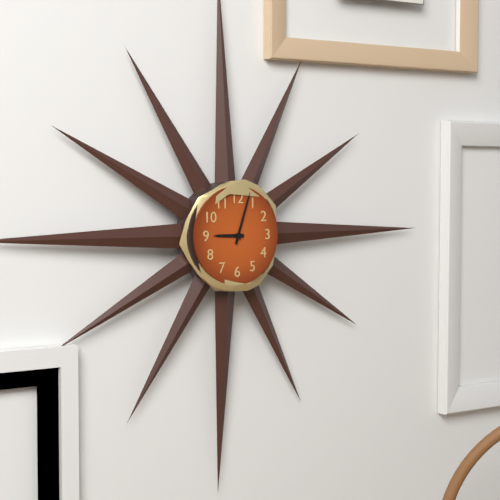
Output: 9h03
